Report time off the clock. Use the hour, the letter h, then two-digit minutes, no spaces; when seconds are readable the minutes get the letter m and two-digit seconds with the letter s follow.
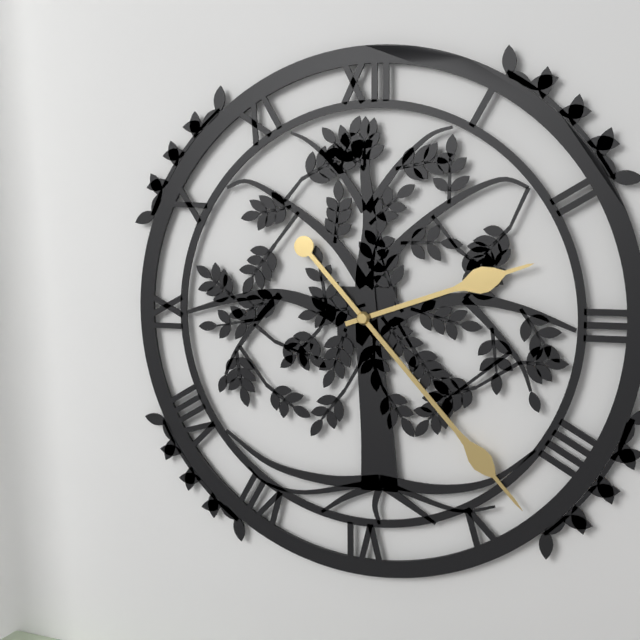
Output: 2h23
